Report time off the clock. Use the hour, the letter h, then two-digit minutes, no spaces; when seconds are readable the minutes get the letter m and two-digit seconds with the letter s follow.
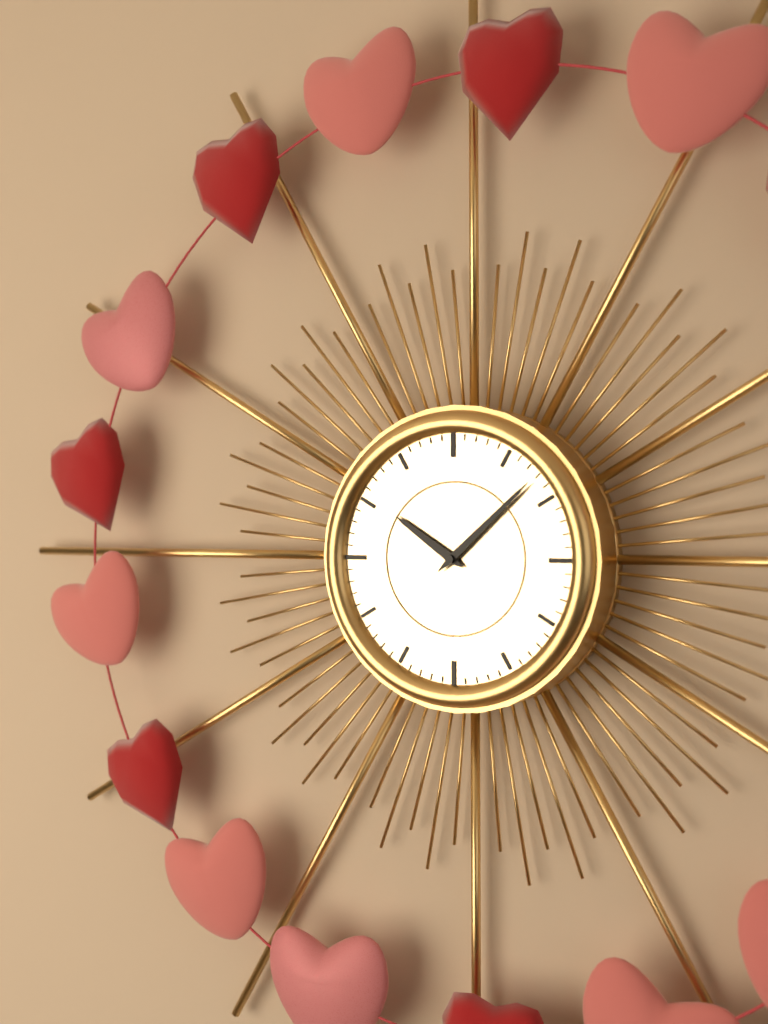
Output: 10h08
